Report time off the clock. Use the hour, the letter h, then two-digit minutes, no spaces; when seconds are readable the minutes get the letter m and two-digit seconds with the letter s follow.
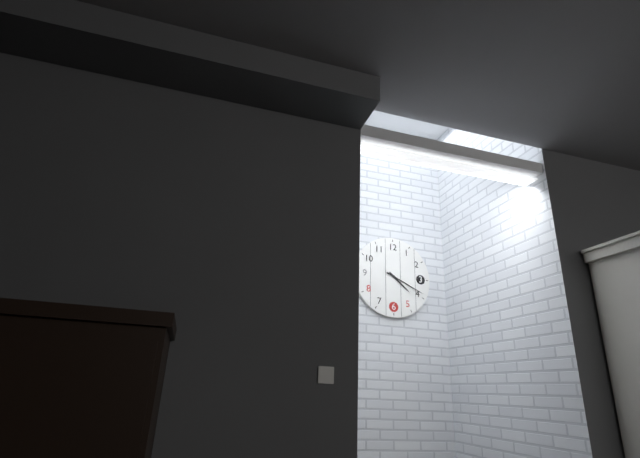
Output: 4h19
